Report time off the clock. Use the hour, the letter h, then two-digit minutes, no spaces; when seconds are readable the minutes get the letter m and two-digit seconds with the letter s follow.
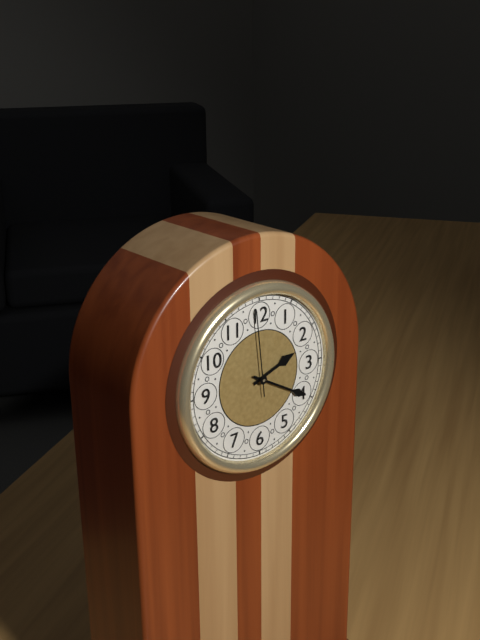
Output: 2h20m59s
